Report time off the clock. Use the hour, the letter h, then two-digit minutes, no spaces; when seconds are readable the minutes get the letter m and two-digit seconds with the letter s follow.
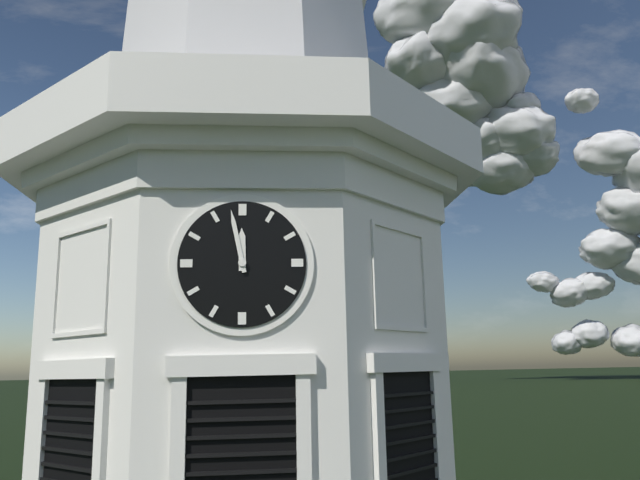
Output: 11h58
